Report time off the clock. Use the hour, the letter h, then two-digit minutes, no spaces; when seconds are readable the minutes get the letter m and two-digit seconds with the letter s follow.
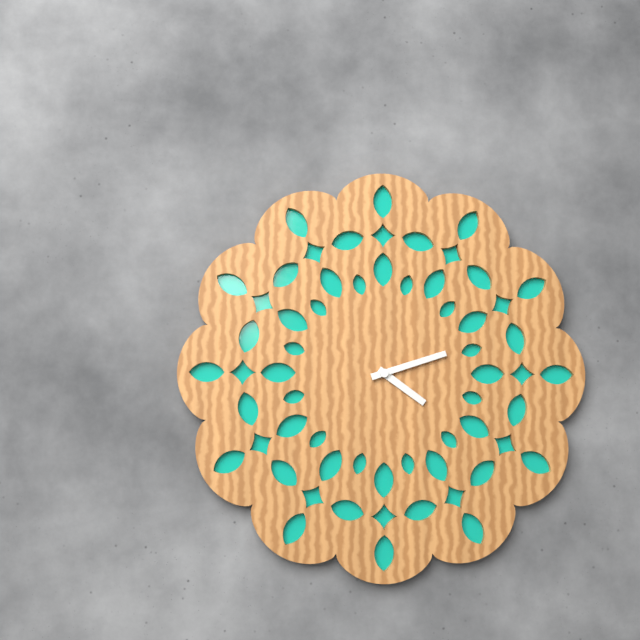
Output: 4h12
